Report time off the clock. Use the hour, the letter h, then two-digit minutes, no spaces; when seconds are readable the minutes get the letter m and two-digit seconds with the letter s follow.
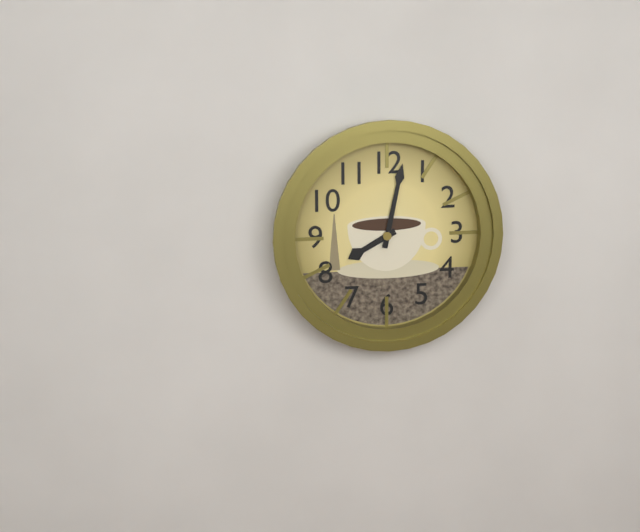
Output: 8h02
